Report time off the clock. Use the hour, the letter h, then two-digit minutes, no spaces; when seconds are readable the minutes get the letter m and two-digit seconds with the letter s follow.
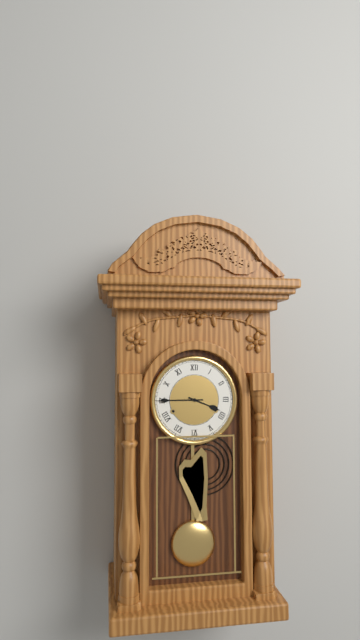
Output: 3h45
